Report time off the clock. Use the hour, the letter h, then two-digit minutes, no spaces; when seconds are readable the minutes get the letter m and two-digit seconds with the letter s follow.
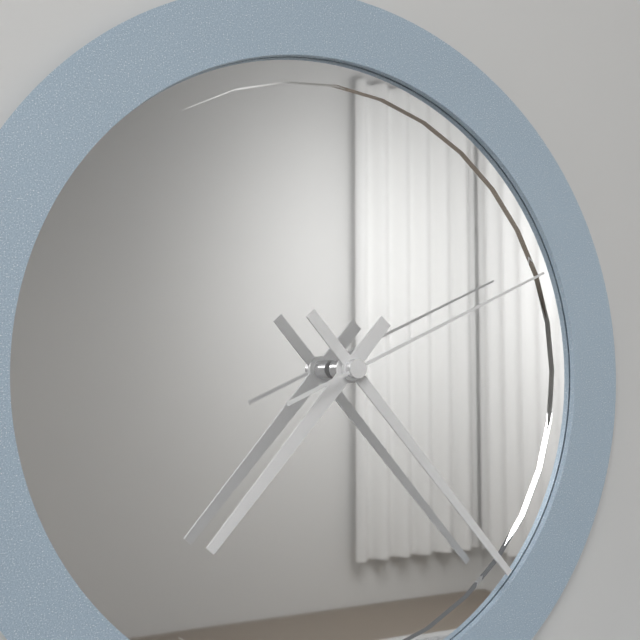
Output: 7h23m11s
